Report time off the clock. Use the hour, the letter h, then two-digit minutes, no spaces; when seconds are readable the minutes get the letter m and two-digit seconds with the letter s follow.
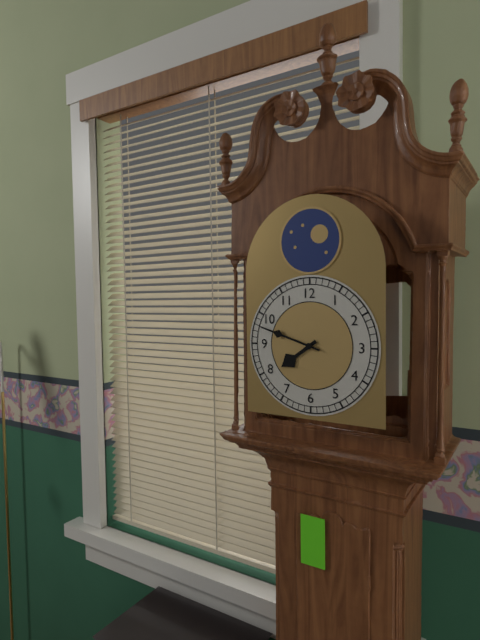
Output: 7h48
